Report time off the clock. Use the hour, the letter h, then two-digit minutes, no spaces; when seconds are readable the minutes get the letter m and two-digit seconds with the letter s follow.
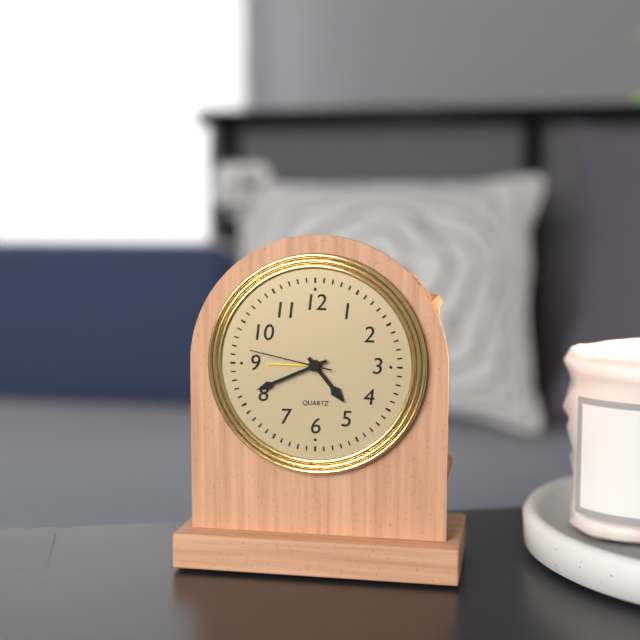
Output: 4h41m47s
